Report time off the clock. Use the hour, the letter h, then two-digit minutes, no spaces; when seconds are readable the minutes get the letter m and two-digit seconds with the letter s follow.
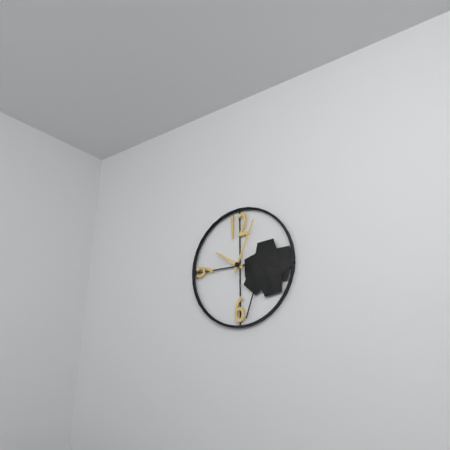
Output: 10h04
